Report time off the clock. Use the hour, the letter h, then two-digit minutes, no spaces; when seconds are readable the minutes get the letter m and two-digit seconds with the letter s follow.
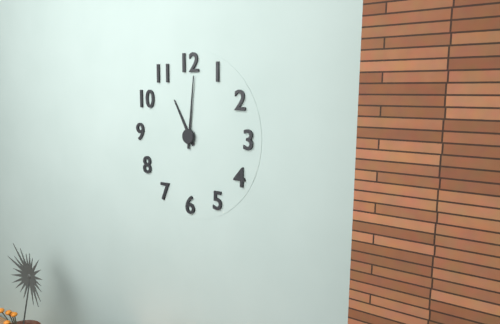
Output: 11h01
